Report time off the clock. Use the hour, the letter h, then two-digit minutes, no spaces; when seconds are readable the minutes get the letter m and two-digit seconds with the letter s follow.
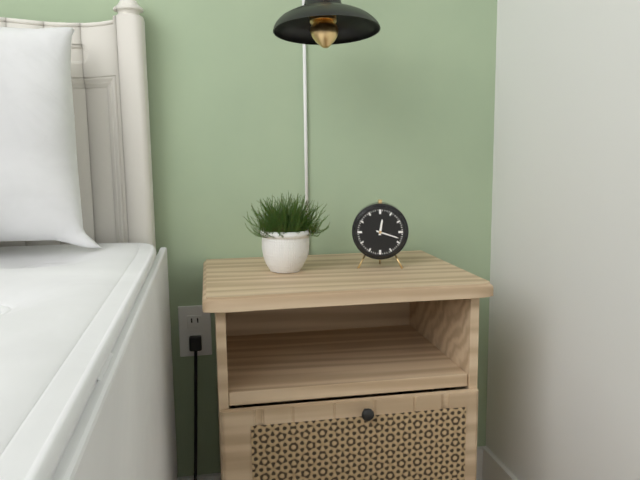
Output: 12h18
